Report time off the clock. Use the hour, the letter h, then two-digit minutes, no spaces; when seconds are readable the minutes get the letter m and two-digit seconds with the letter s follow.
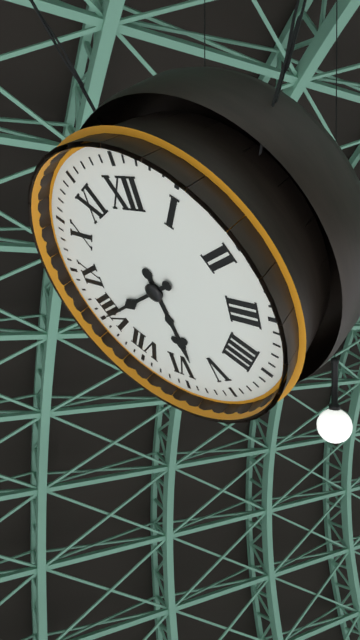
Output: 5h40
